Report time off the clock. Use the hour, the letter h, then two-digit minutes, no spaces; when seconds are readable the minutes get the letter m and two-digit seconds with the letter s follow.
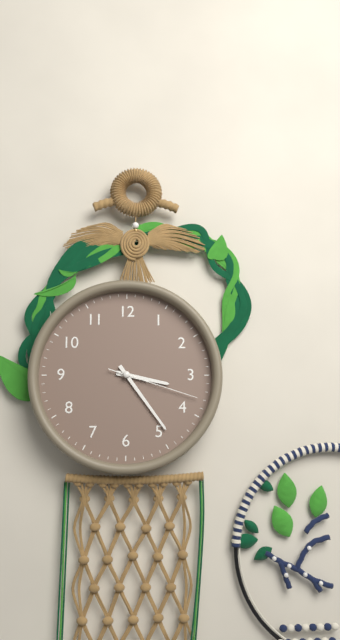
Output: 3h24m18s
